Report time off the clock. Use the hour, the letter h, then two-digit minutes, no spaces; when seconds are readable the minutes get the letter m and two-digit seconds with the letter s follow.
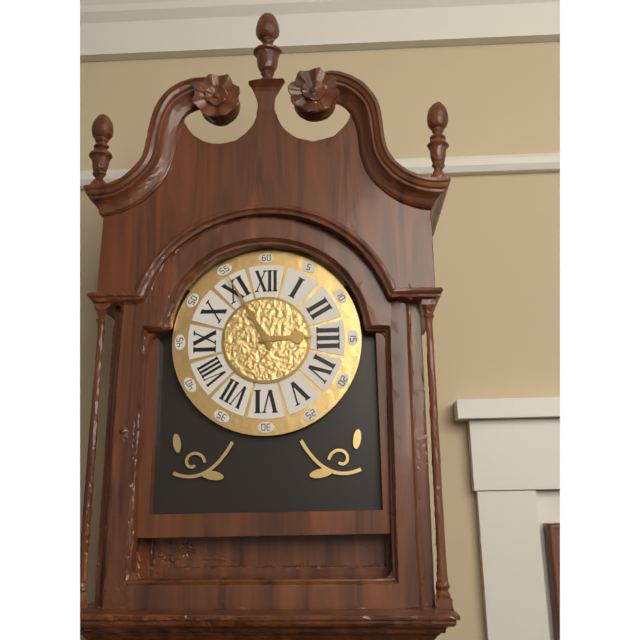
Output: 2h55
